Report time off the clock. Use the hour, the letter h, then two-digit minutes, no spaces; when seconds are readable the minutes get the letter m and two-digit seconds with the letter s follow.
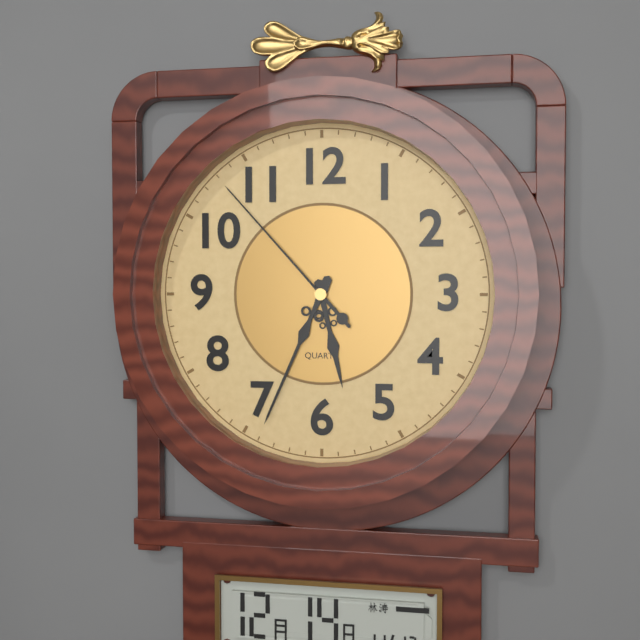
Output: 5h34m53s
